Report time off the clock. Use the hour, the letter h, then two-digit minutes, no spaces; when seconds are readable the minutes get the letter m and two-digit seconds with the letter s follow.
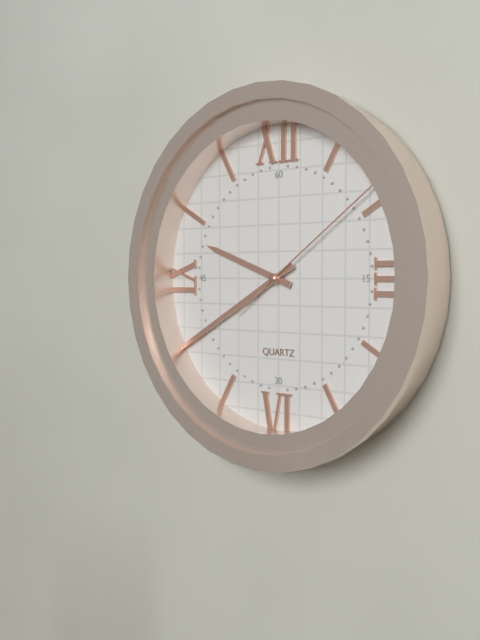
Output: 9h40m09s
